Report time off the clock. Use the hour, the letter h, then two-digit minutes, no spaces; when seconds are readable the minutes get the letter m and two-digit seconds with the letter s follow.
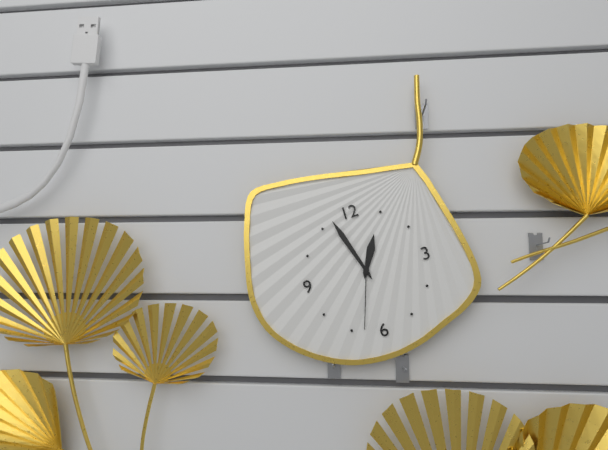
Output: 12h57m33s
